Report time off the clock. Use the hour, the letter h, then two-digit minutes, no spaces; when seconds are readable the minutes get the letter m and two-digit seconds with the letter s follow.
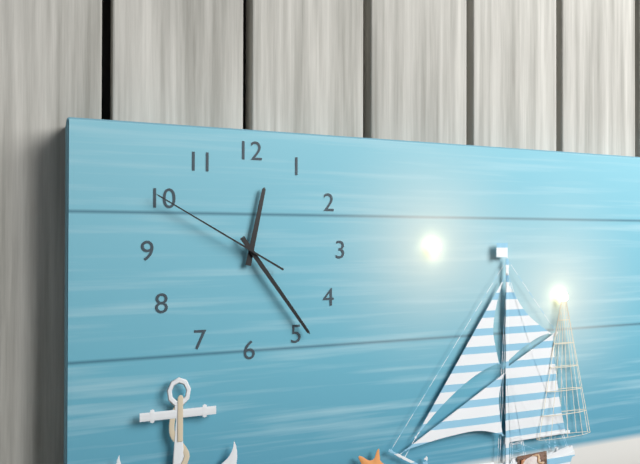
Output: 12h24m50s
